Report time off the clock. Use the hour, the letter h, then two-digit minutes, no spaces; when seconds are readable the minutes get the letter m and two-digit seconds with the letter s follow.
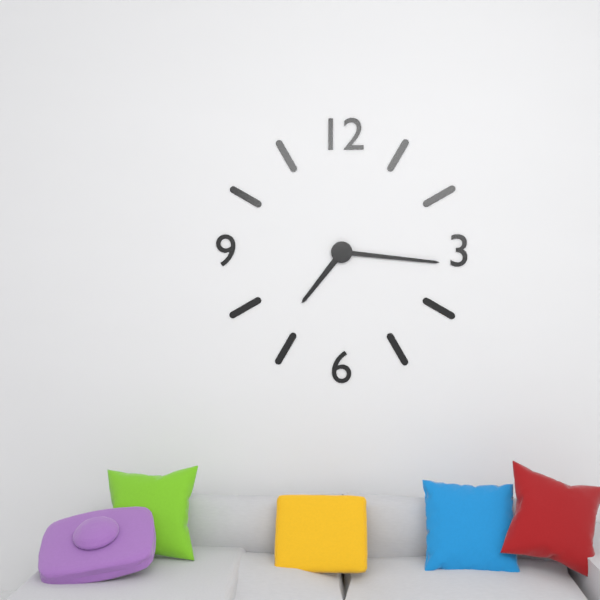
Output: 7h16
